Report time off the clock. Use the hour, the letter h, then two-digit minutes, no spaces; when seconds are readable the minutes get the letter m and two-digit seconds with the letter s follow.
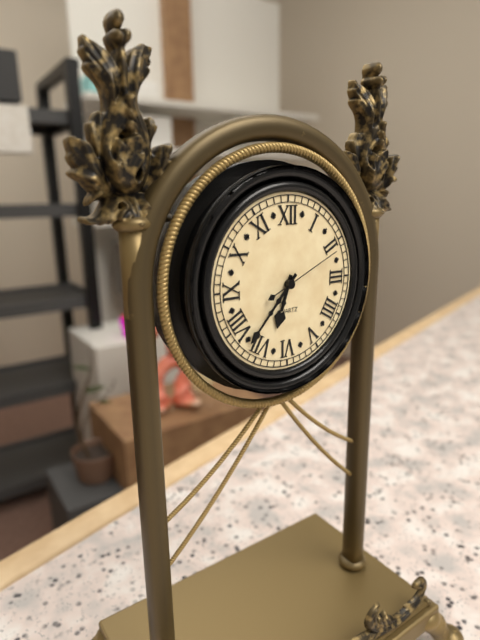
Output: 6h37m11s
